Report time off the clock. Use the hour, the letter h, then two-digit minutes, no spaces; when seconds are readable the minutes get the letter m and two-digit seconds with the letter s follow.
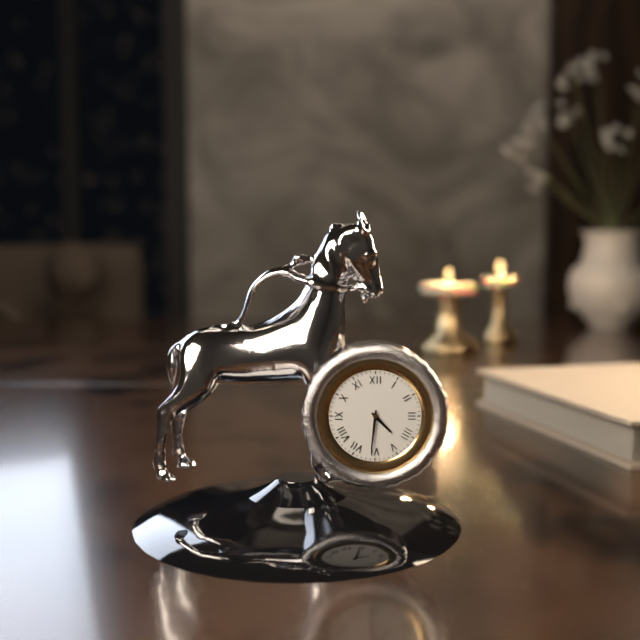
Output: 4h31
